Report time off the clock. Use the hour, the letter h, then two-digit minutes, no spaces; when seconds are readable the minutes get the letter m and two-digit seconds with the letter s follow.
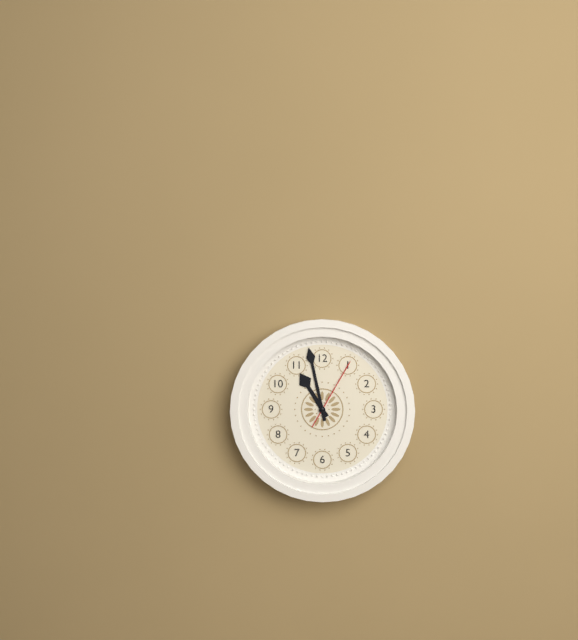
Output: 10h58m05s
